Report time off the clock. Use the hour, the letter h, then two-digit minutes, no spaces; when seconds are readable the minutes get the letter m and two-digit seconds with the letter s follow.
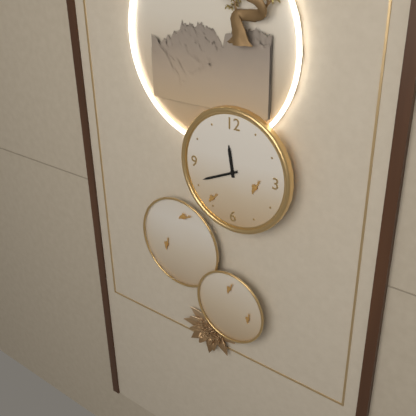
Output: 11h41
